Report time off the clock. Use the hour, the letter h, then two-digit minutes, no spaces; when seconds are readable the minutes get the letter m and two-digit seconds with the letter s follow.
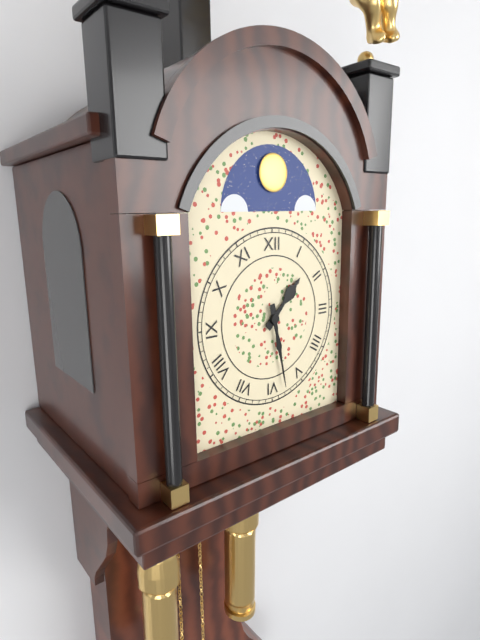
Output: 1h28
